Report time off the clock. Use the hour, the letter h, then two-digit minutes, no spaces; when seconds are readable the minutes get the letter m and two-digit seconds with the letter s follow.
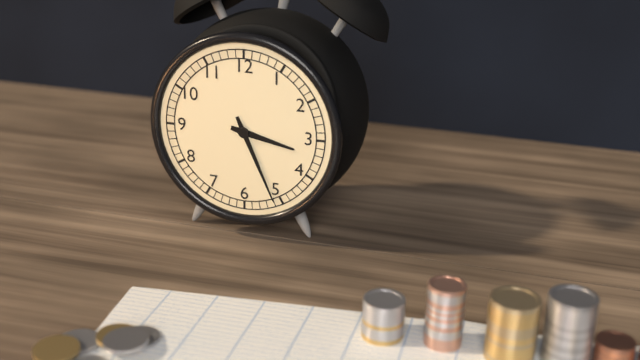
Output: 3h26
